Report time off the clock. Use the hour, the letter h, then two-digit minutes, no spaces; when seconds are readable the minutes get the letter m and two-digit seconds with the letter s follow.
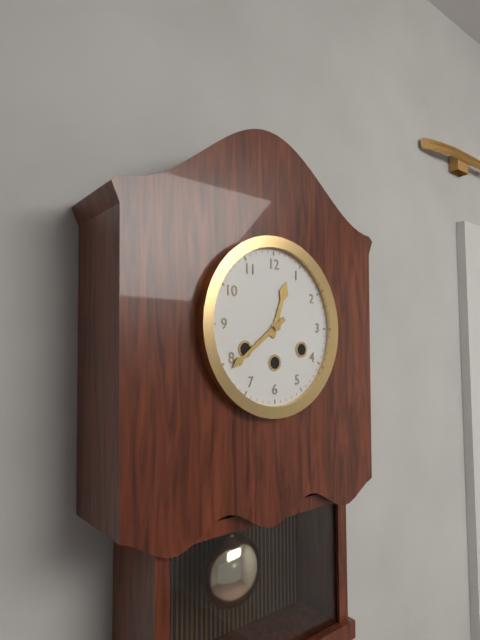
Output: 12h39
